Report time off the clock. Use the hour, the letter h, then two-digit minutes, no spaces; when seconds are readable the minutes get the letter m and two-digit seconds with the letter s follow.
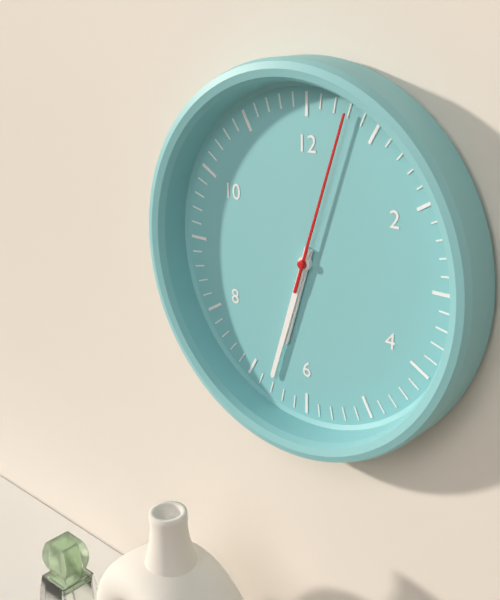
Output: 6h33m03s
